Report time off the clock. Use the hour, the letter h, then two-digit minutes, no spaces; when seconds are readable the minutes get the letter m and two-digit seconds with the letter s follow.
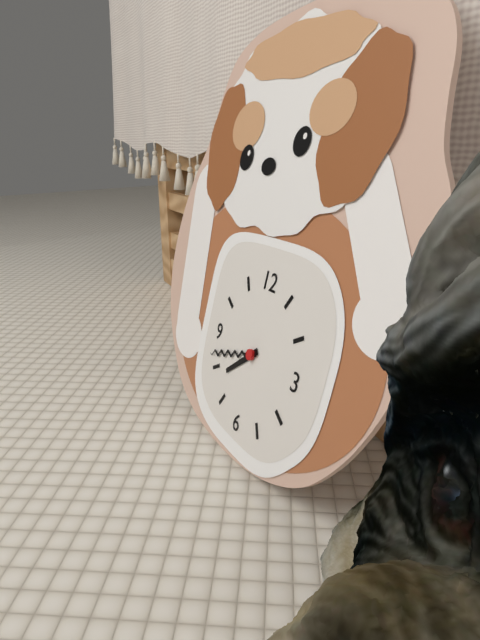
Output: 7h42
